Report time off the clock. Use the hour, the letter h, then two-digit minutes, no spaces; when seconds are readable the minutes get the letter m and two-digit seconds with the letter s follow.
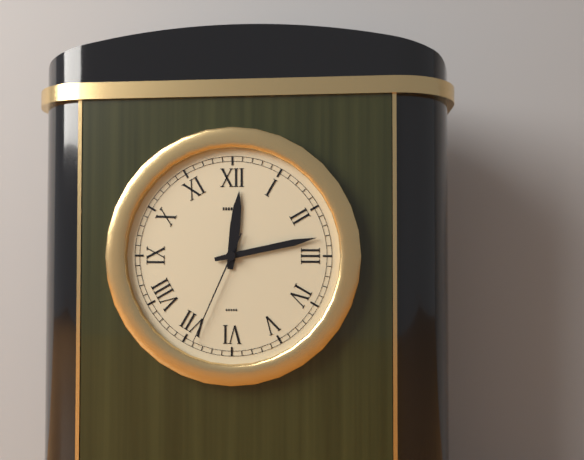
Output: 12h13m34s
